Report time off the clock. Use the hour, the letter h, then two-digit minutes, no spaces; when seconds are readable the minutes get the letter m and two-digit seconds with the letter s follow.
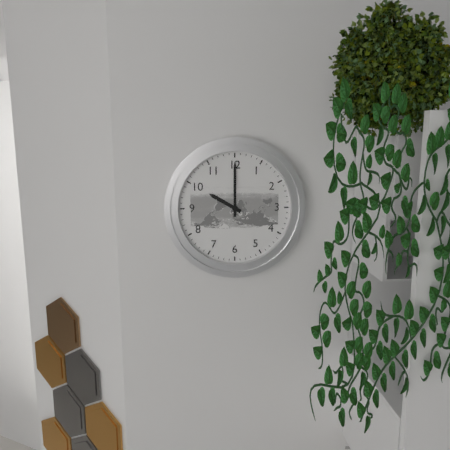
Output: 10h00
